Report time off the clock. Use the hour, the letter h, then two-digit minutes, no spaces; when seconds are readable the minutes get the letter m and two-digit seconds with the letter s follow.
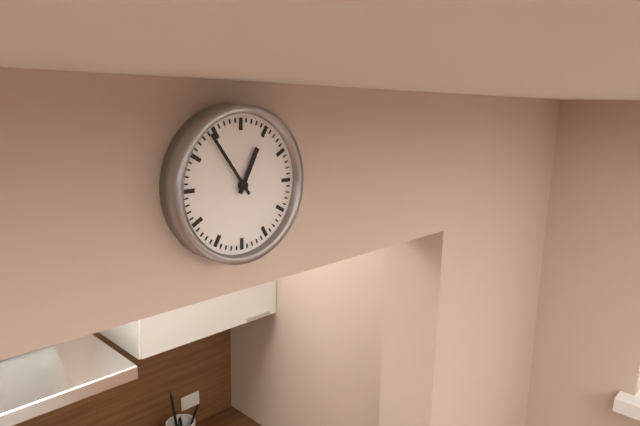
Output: 12h54
